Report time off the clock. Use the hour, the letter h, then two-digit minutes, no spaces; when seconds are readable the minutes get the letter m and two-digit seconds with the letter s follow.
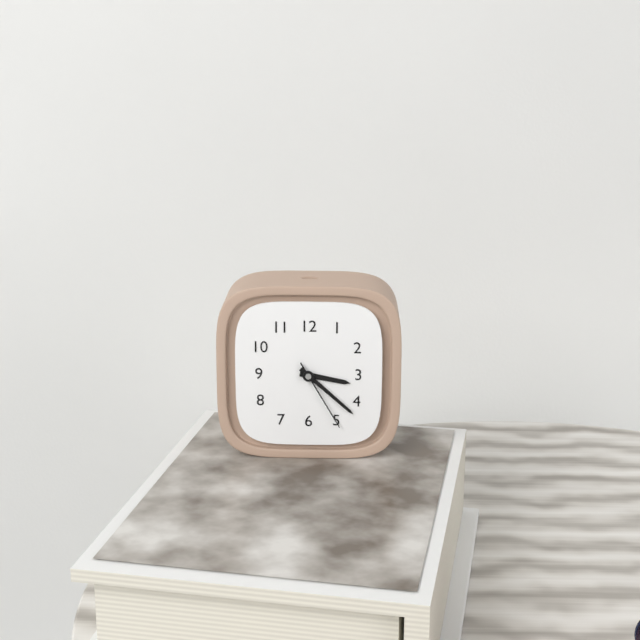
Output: 3h22m25s
